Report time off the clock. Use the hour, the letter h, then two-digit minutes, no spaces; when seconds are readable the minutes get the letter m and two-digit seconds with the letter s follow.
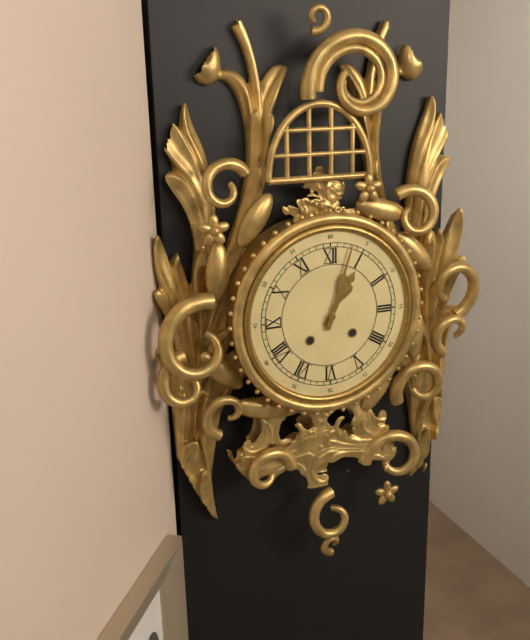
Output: 1h03
